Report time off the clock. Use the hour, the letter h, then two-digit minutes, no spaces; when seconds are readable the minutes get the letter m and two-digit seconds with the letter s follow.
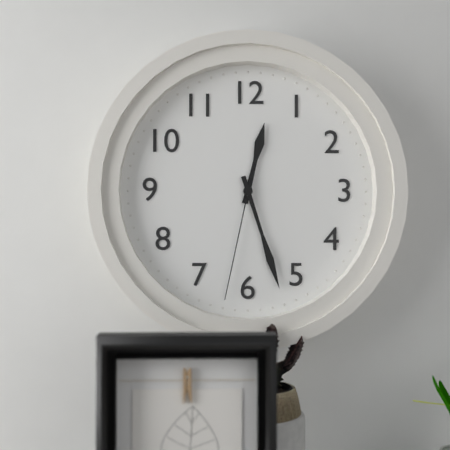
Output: 12h27m32s
